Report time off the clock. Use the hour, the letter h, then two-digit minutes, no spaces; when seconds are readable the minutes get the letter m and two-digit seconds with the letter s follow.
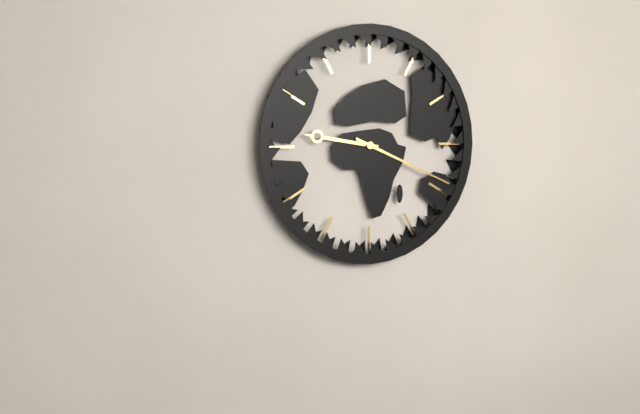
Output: 9h19
